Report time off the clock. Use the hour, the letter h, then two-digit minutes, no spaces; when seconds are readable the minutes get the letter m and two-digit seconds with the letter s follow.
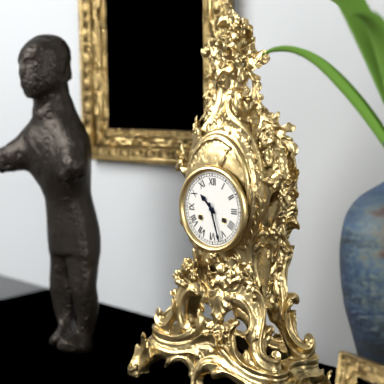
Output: 10h27
